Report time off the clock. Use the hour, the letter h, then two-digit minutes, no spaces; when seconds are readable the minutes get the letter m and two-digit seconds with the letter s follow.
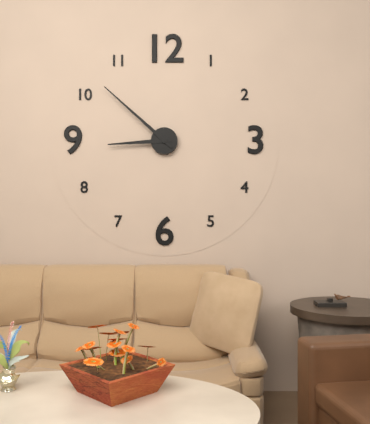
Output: 8h52
